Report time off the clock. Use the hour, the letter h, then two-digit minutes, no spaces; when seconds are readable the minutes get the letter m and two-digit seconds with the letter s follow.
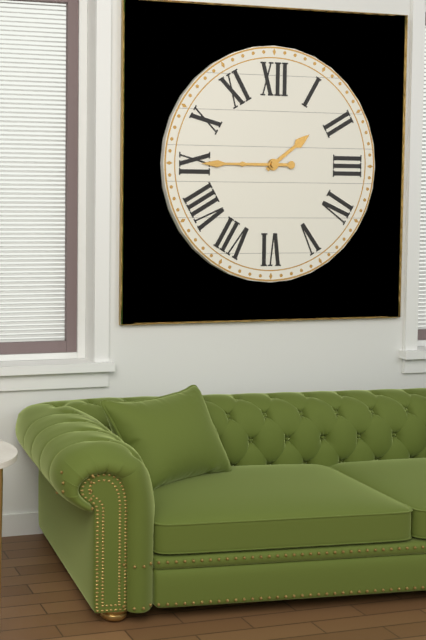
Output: 1h45
